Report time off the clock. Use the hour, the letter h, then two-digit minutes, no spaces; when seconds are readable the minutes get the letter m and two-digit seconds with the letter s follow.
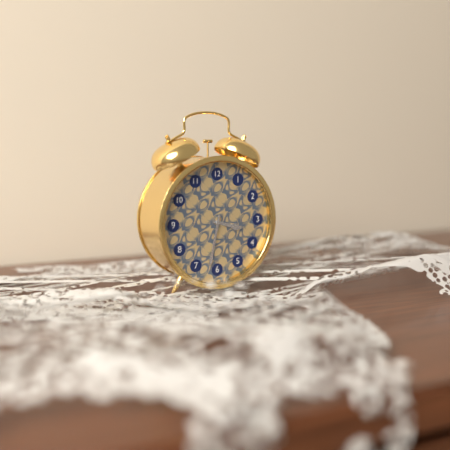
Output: 3h32
